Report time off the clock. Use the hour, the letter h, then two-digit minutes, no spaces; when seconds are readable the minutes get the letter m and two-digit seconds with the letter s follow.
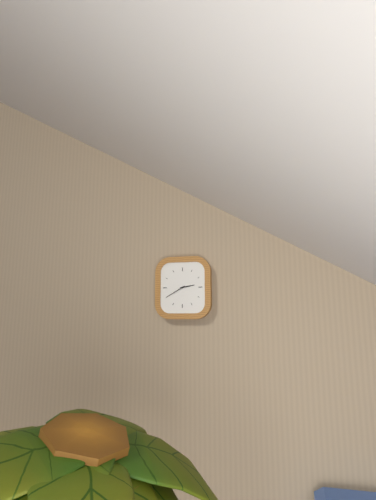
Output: 2h40
